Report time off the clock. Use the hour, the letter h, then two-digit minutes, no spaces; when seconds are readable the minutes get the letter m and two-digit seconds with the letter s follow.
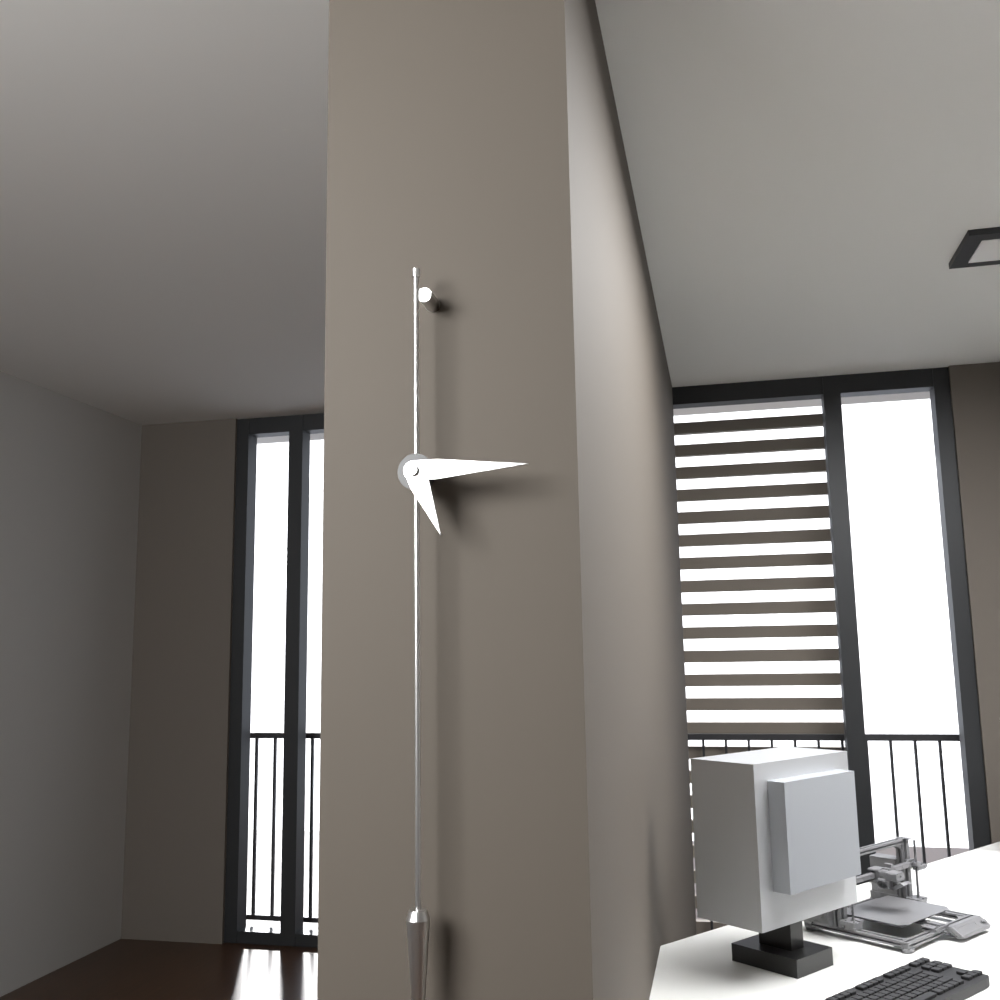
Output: 5h15
